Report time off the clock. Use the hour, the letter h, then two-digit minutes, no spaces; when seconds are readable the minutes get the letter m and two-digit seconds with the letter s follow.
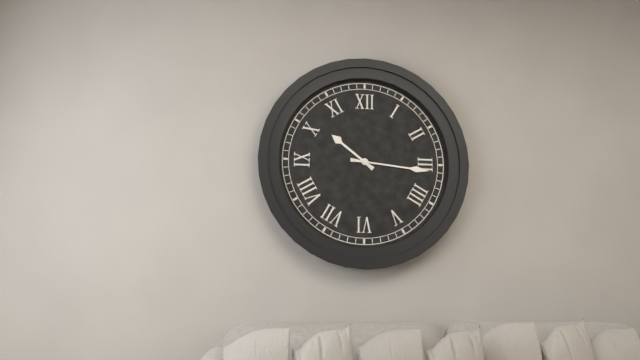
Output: 10h16
